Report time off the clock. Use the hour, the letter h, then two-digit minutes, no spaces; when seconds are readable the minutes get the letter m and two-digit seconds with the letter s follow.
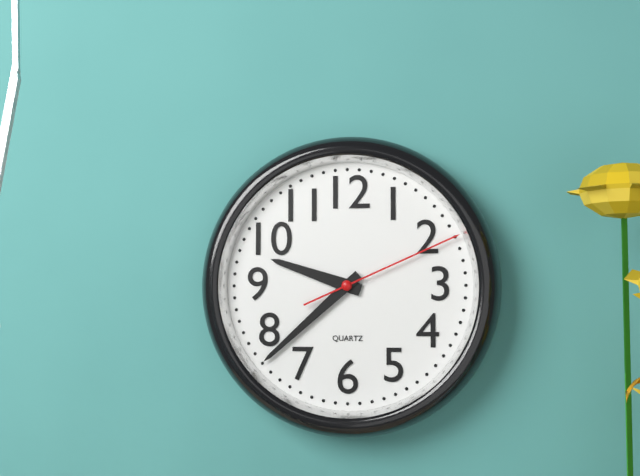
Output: 9h38m11s
